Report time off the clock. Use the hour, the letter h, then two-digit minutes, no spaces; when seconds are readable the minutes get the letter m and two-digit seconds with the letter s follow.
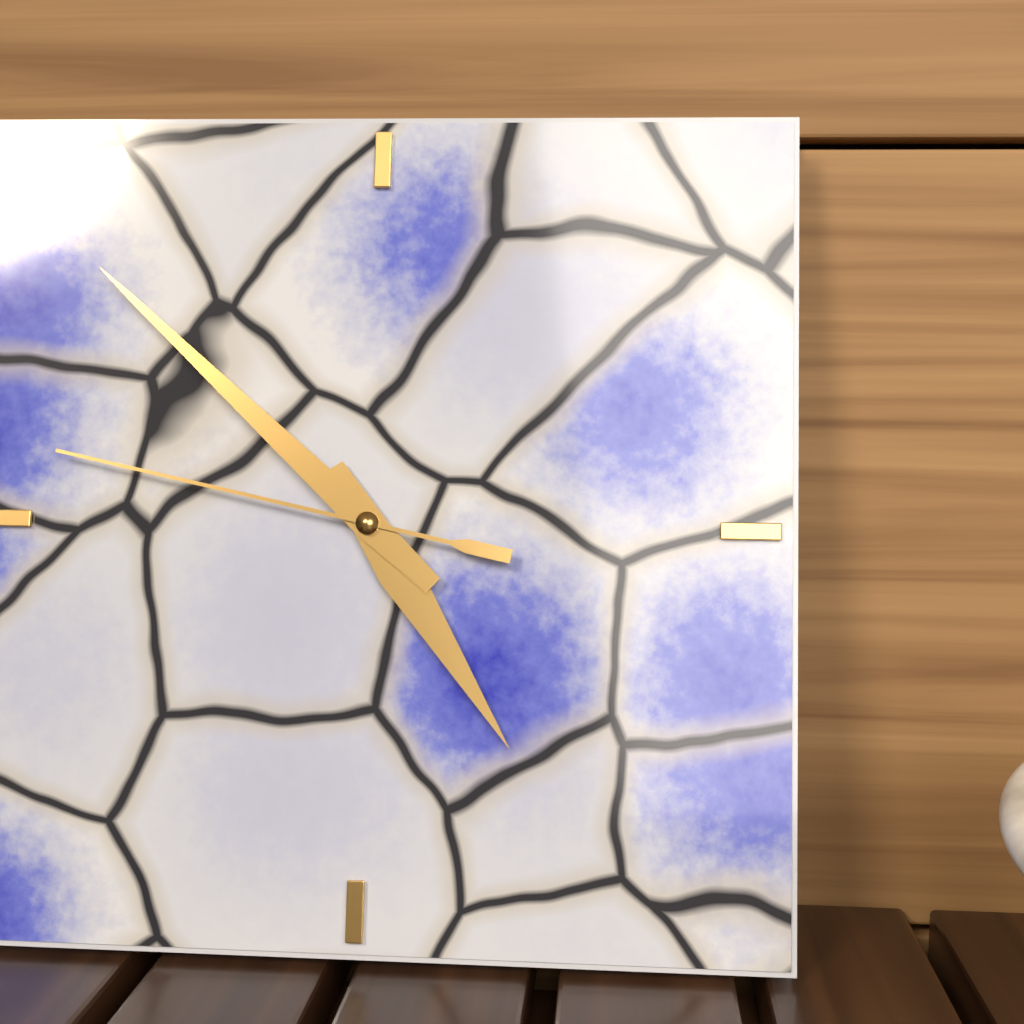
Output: 4h52m47s
